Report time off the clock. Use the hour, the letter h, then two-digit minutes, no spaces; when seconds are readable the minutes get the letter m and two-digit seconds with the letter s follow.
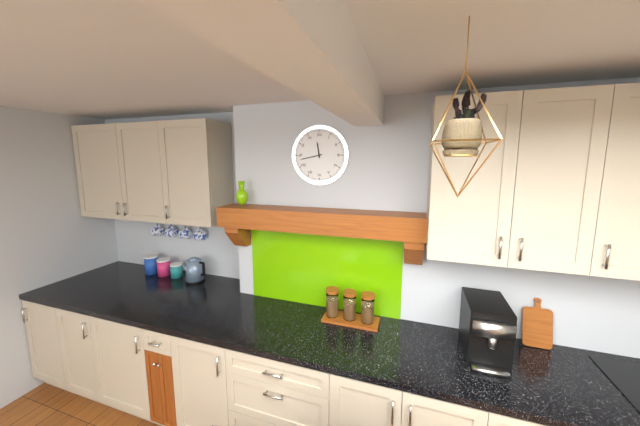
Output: 11h43
